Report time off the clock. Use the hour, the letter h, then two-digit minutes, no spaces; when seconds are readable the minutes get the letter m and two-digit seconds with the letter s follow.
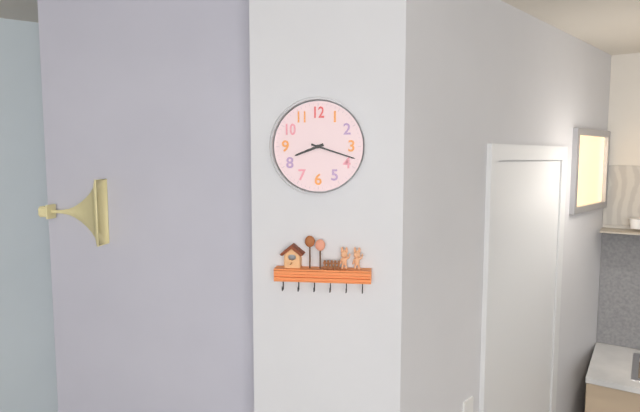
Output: 8h18
